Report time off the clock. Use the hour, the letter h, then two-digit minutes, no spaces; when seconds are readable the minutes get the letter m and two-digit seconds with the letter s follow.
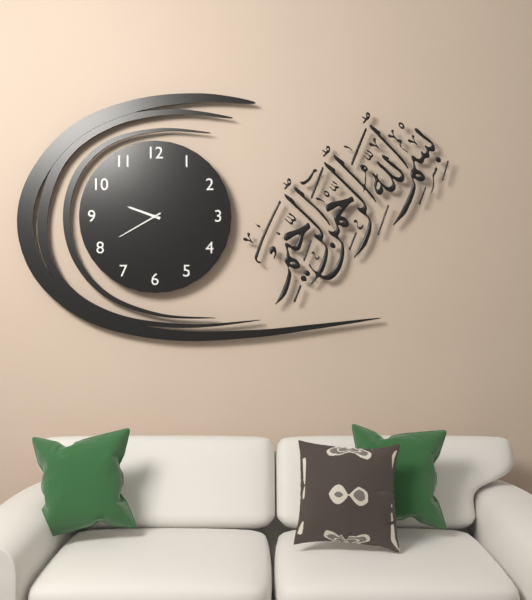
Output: 9h40
